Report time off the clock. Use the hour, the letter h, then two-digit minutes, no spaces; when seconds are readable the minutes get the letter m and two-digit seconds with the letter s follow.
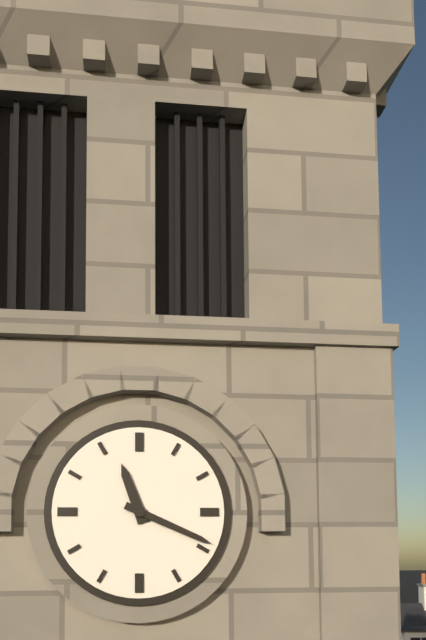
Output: 11h19
